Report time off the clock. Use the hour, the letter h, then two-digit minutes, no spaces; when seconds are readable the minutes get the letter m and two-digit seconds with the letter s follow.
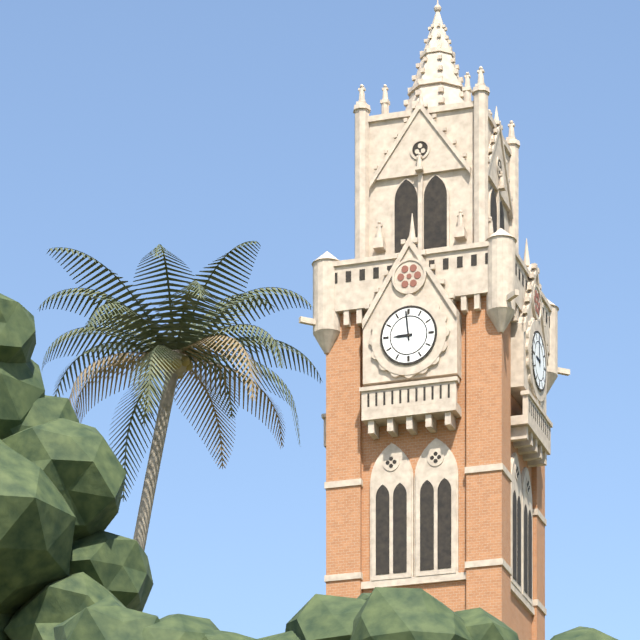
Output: 8h59
